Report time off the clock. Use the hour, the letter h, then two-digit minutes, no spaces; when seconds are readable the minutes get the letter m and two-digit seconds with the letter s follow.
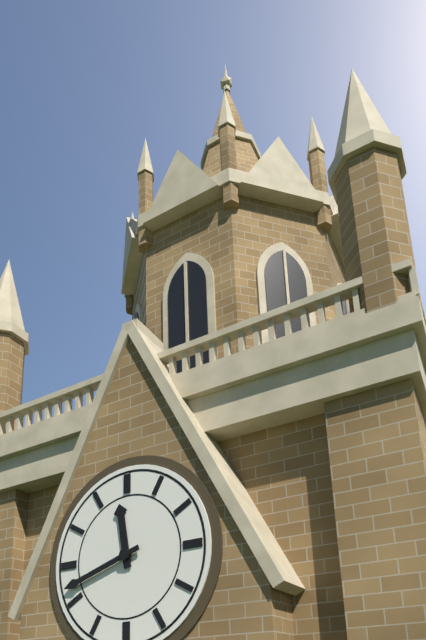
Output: 11h42
